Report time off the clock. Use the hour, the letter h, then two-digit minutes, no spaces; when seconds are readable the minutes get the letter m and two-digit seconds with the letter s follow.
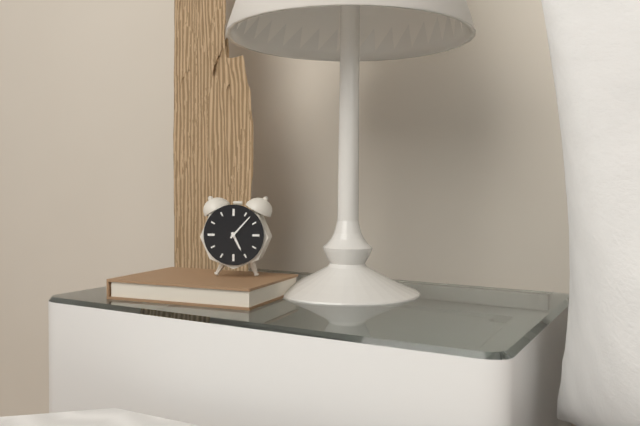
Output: 5h07
